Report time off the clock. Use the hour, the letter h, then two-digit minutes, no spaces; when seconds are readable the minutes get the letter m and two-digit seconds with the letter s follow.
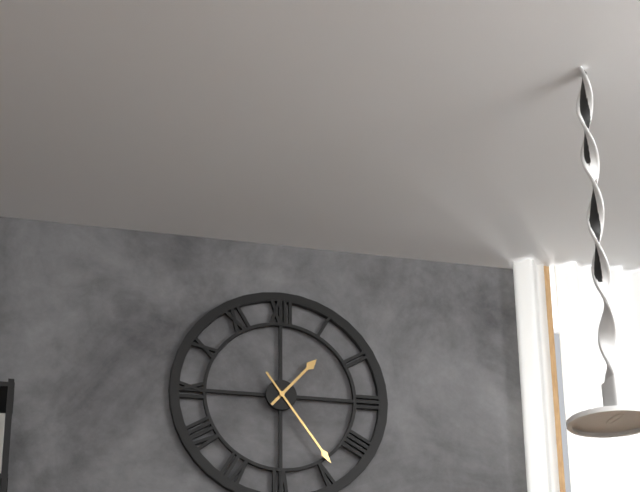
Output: 1h24
